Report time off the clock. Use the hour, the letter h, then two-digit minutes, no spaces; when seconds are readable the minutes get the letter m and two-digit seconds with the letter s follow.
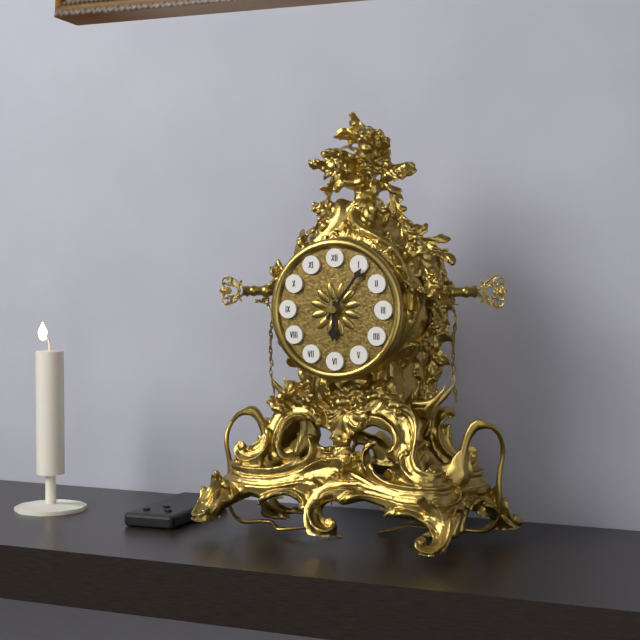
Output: 6h06
